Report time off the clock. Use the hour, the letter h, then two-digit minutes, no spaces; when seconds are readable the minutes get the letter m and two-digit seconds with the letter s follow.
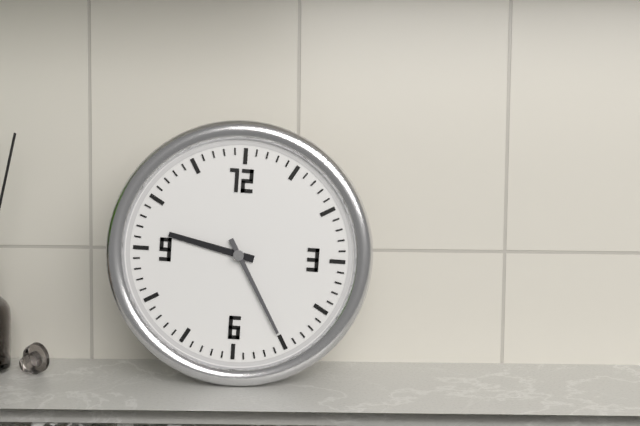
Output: 9h25
